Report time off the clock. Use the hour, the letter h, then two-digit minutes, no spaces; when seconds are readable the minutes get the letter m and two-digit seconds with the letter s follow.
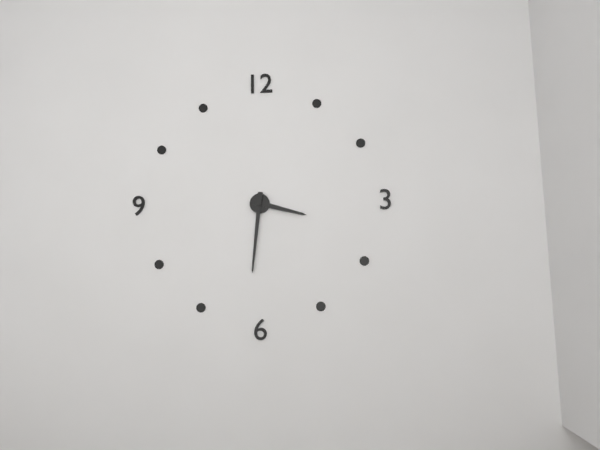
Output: 3h31
